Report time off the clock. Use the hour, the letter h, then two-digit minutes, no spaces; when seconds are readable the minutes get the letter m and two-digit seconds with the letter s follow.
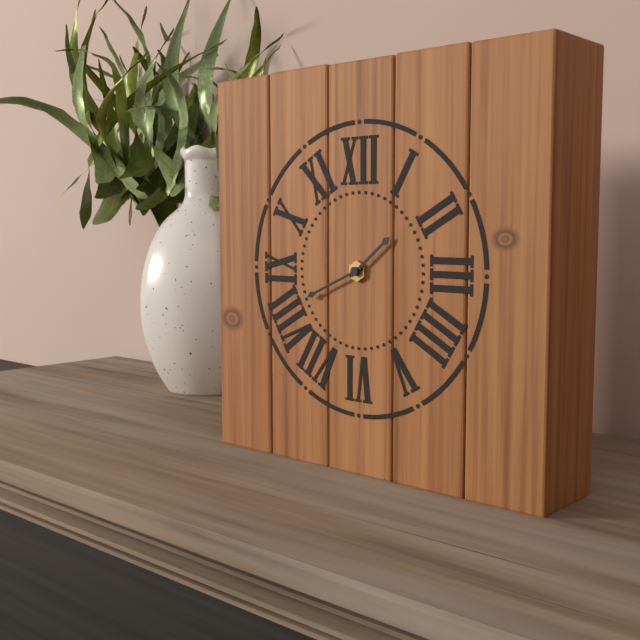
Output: 1h41
